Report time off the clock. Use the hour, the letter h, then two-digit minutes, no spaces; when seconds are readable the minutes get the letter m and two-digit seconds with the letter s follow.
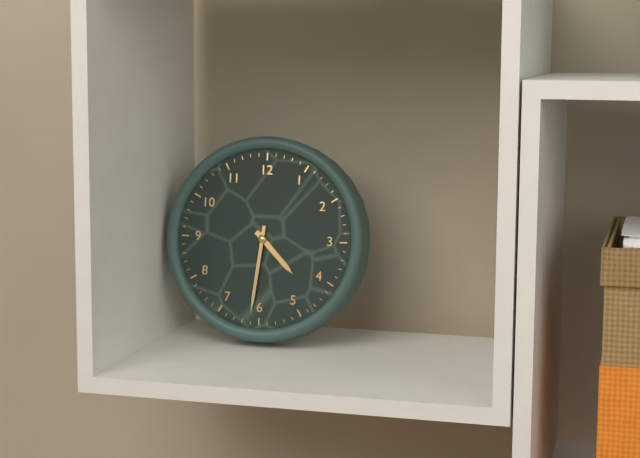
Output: 4h31
